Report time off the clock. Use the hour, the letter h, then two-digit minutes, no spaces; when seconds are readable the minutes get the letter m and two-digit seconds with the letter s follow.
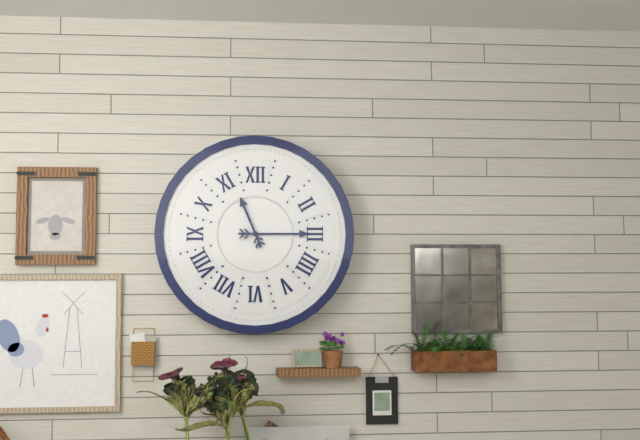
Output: 11h15
